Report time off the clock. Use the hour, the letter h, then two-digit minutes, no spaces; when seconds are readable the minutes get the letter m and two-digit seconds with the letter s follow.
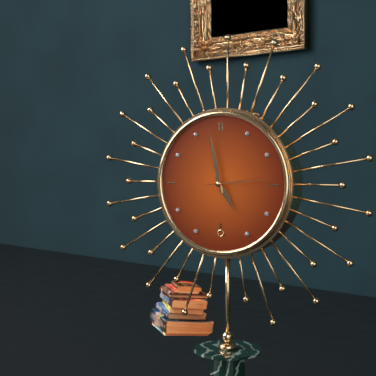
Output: 4h58m14s
